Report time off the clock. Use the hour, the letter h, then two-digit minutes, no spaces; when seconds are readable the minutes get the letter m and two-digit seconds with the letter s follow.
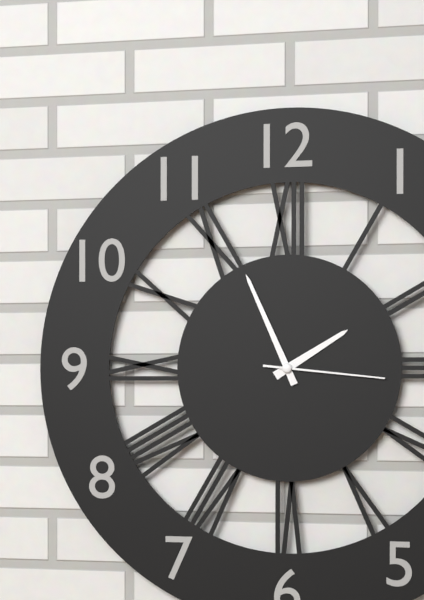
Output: 1h56m16s
